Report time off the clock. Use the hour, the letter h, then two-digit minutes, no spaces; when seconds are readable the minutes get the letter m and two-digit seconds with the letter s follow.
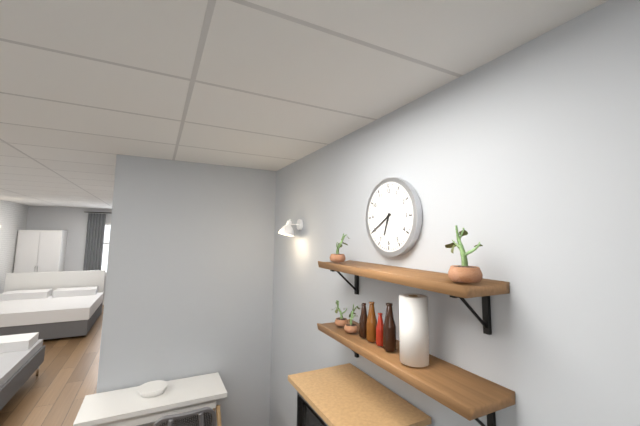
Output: 6h40
